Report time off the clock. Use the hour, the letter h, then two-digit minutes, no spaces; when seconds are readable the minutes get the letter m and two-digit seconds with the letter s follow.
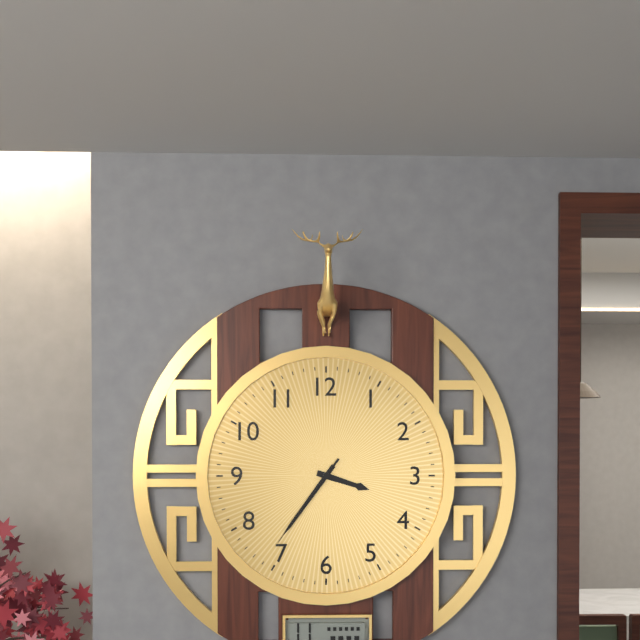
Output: 3h36m36s
